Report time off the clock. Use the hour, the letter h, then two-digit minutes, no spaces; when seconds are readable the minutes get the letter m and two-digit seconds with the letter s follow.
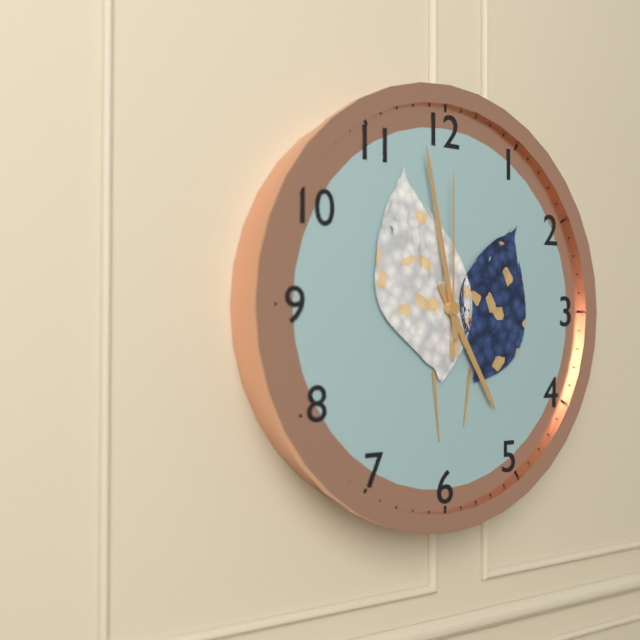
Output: 4h58m00s
